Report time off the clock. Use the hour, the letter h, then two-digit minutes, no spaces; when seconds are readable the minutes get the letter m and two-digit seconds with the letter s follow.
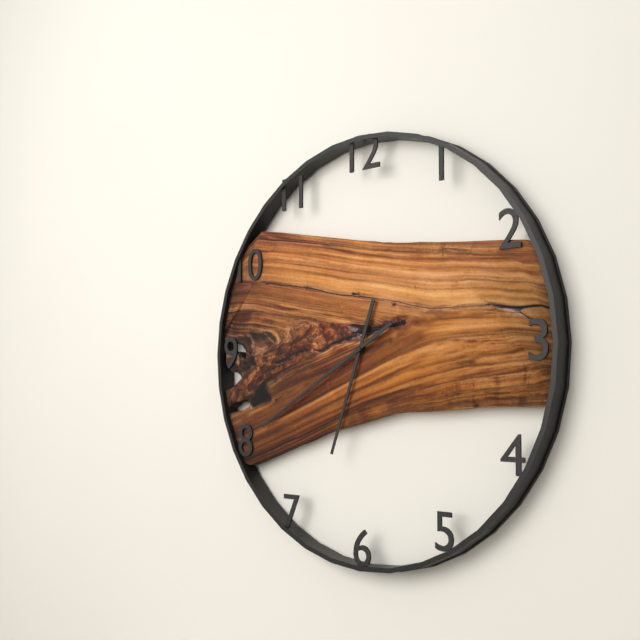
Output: 6h40
